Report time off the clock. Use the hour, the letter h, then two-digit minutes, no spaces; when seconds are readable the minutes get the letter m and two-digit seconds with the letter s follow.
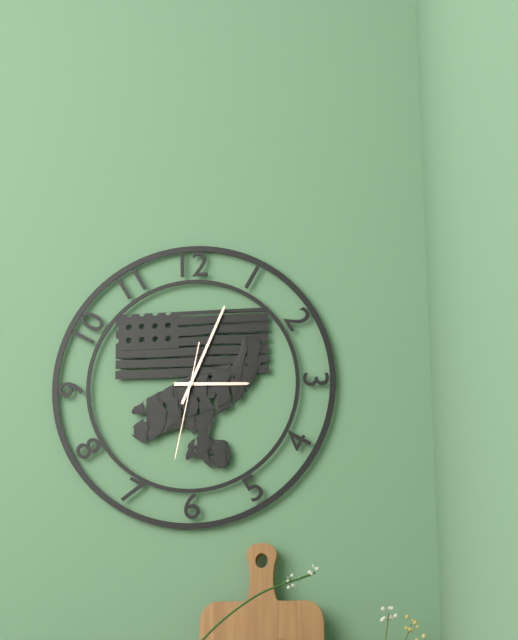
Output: 3h04m32s
